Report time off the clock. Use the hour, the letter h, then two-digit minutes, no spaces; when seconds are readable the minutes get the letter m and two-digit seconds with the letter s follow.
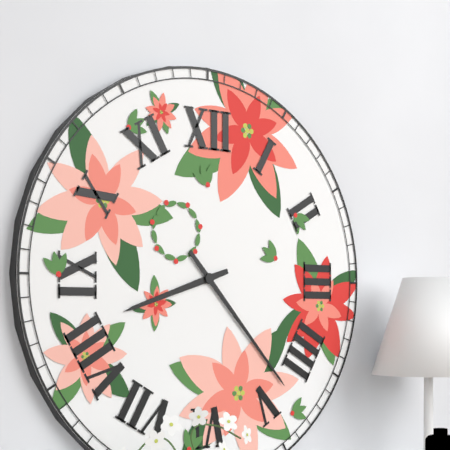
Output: 8h23
